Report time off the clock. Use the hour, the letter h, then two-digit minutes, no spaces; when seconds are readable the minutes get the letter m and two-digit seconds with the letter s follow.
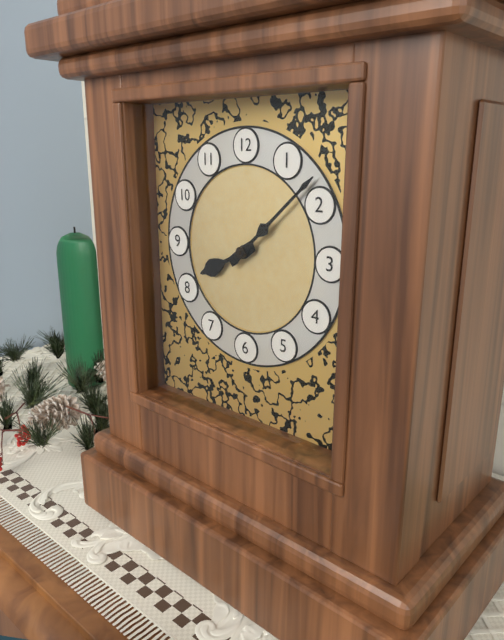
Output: 8h08
